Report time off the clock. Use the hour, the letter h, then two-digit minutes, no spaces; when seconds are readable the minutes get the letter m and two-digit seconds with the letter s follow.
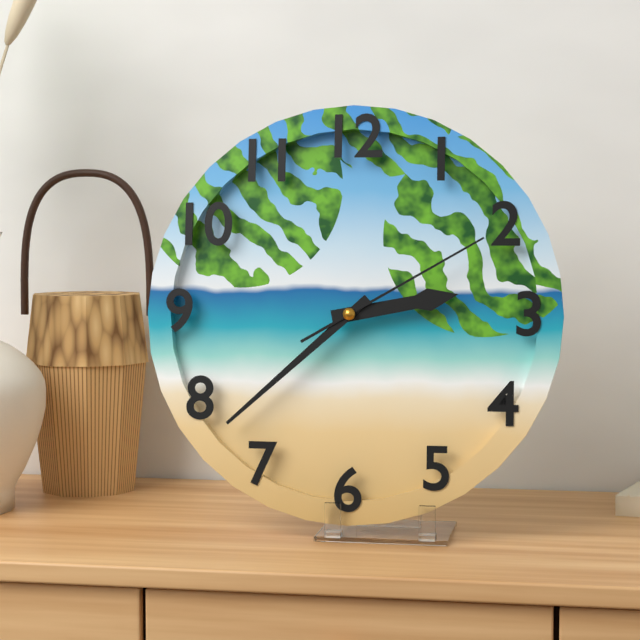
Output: 2h38m10s
